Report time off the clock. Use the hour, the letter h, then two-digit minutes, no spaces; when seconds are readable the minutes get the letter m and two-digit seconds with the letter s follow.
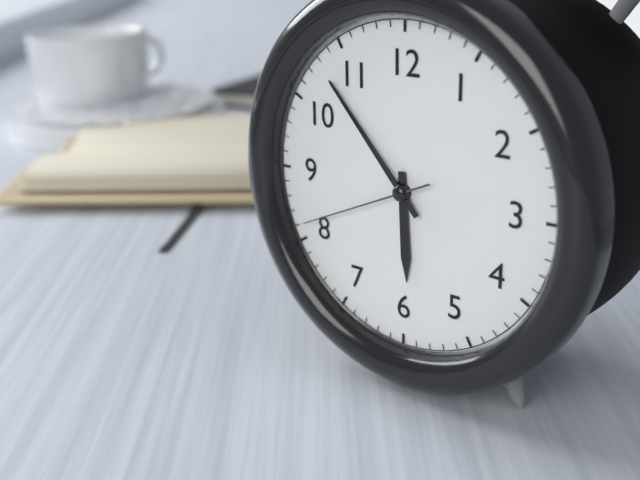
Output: 5h53m41s
